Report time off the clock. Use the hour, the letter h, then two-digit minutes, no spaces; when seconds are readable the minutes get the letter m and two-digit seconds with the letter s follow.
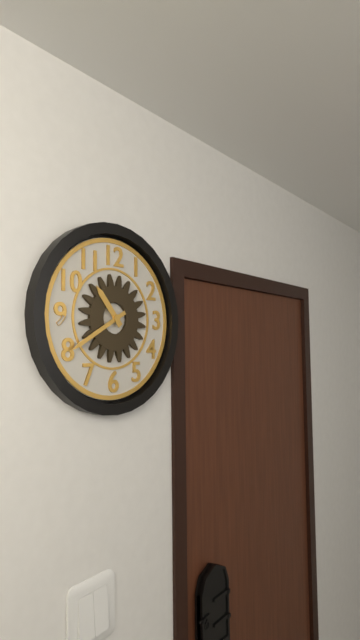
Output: 10h40
